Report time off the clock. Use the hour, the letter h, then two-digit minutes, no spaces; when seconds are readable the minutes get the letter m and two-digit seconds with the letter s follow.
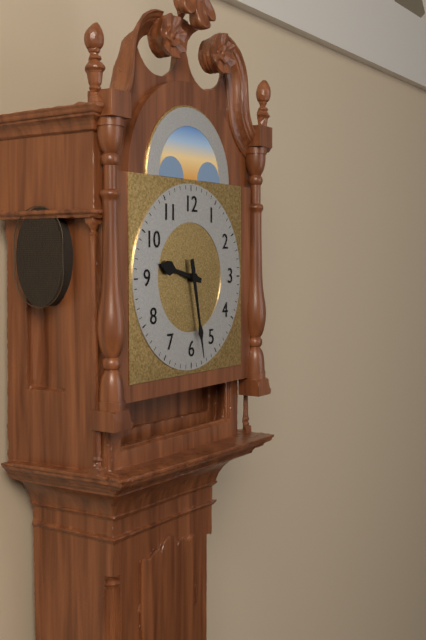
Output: 9h28
